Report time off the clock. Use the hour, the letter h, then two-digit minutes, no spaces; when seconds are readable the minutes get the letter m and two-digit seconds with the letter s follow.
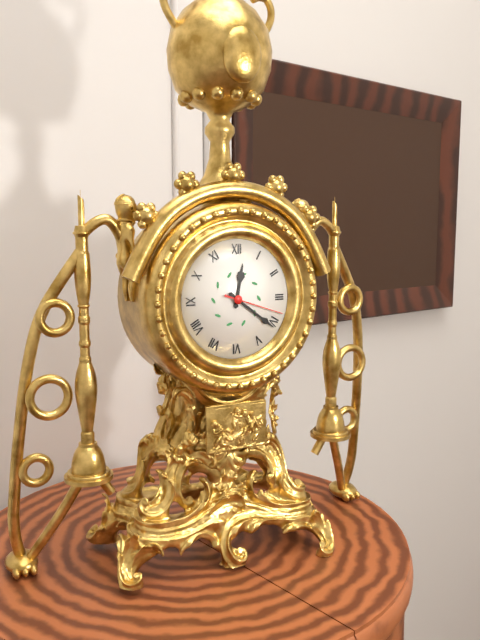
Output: 12h21m18s
